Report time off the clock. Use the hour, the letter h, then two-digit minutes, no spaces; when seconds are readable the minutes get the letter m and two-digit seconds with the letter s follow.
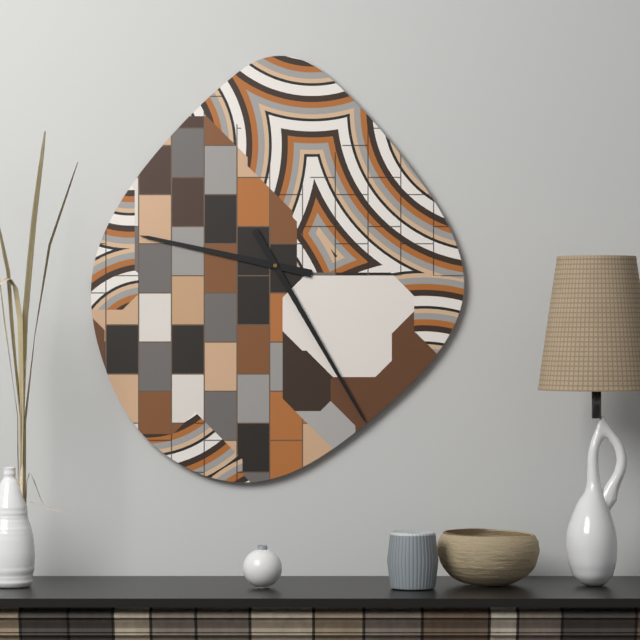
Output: 9h25
